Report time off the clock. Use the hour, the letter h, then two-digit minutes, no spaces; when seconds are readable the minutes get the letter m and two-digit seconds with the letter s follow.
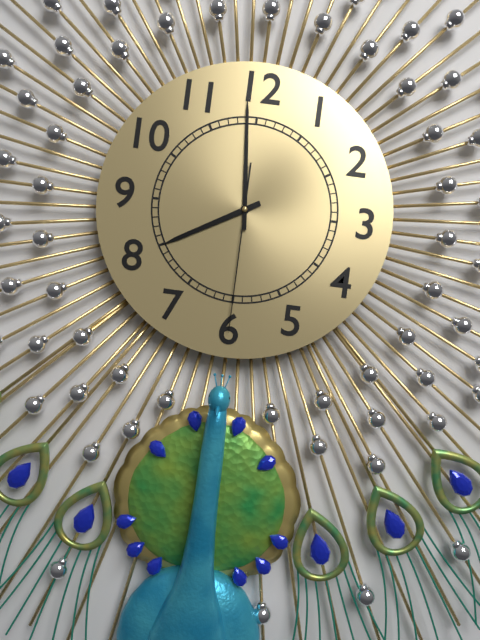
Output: 7h59m30s
